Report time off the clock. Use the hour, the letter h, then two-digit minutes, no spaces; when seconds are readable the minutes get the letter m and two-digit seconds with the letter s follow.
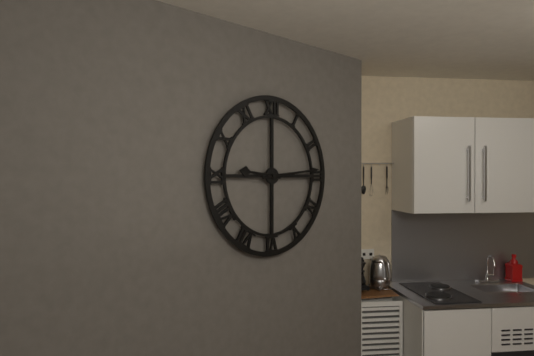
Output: 9h14
